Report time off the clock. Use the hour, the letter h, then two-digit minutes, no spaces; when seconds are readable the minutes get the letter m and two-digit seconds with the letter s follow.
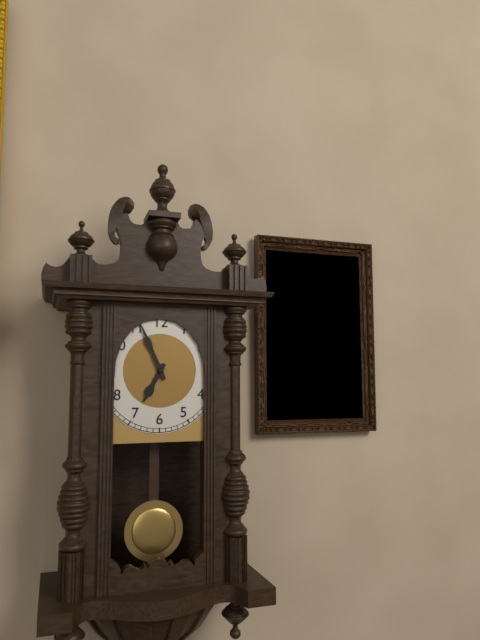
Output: 6h56
